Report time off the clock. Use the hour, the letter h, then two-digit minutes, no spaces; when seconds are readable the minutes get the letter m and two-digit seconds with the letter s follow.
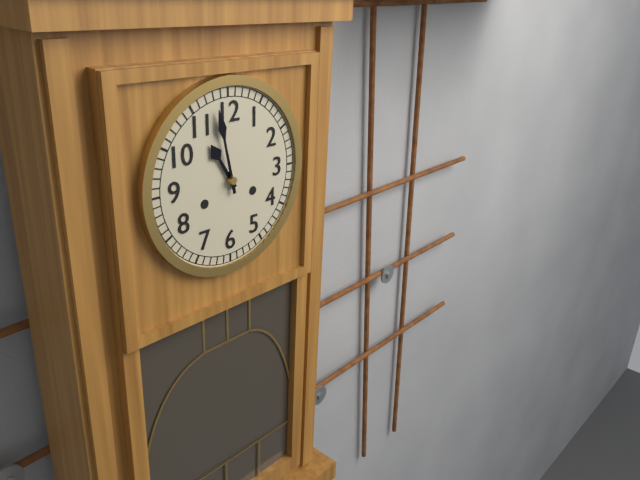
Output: 10h58
